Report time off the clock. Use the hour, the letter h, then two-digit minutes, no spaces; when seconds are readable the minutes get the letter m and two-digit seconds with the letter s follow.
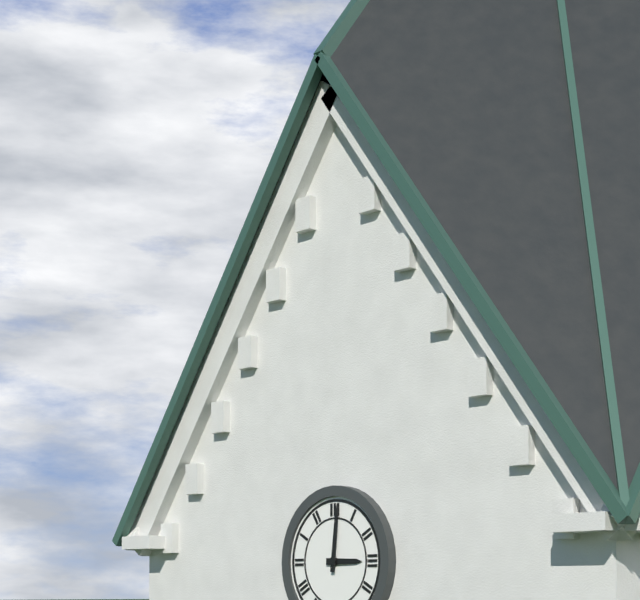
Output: 3h01
